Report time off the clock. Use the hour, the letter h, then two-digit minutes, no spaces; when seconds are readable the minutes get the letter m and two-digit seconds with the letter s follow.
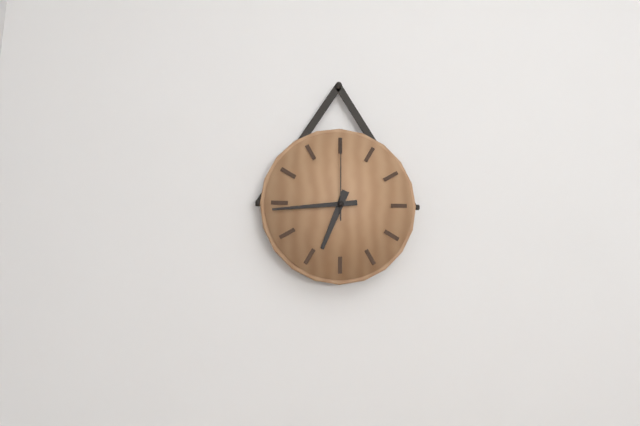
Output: 6h44m00s
